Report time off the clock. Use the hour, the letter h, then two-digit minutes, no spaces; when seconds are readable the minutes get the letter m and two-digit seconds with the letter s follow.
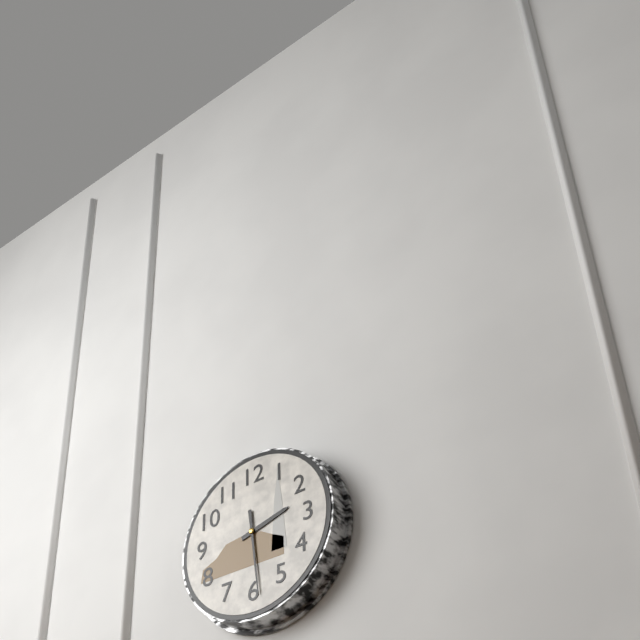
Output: 2h29
